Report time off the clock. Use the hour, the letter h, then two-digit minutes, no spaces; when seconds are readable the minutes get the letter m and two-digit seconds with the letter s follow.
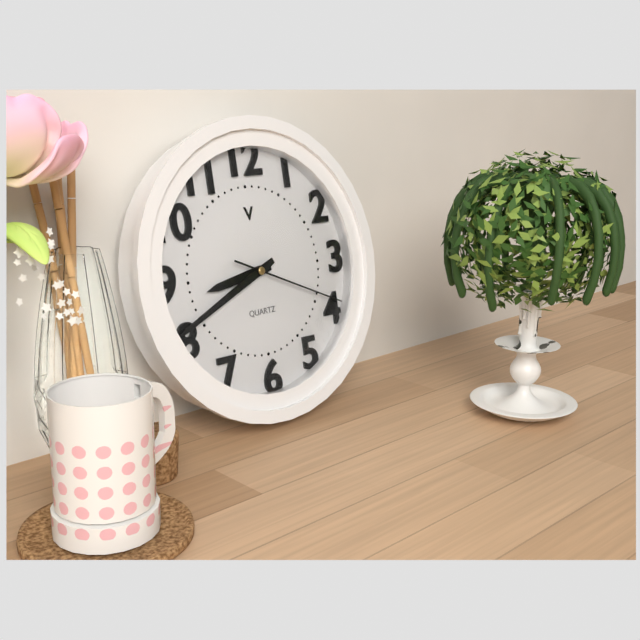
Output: 8h41m19s
